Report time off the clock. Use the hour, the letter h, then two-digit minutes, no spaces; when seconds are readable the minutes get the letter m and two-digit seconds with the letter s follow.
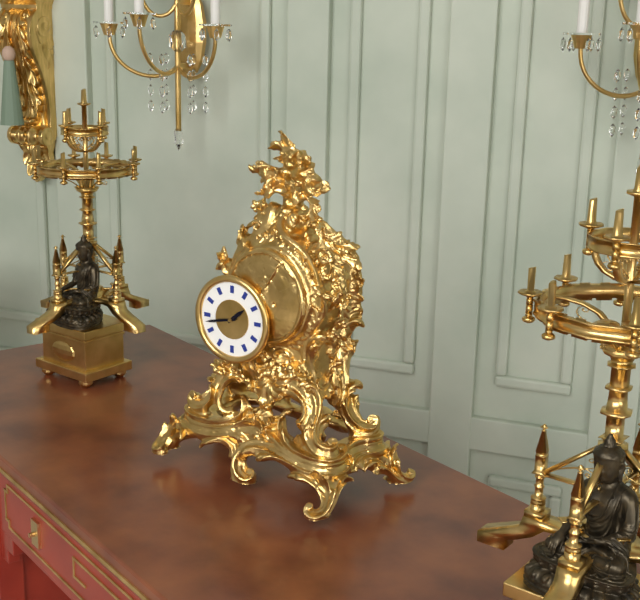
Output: 1h43
